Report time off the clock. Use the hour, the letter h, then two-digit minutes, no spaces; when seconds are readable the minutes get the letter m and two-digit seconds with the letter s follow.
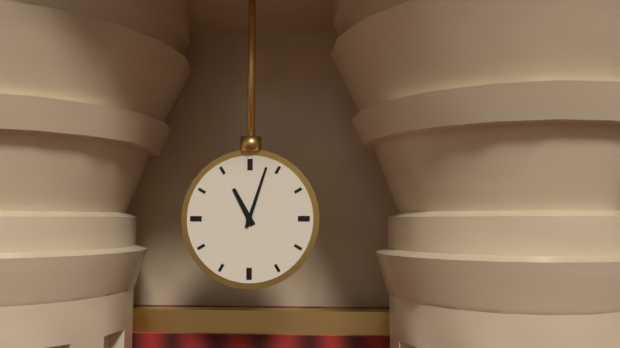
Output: 11h03
